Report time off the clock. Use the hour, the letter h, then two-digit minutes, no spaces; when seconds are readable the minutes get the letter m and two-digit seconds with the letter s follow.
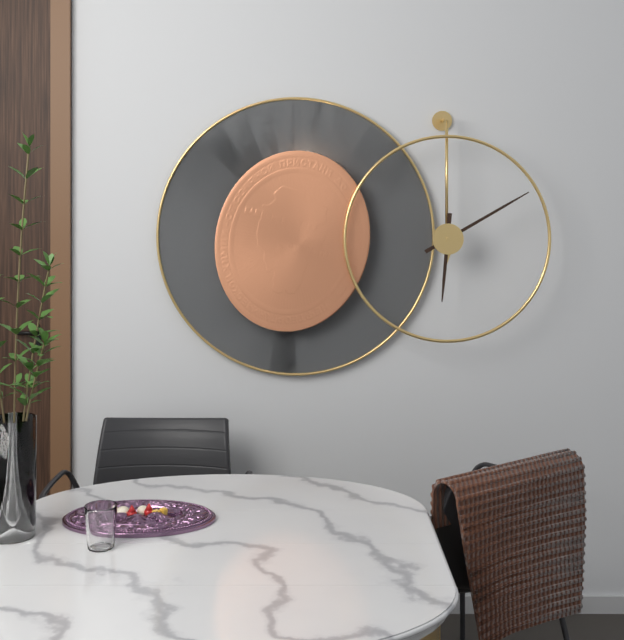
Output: 6h10
